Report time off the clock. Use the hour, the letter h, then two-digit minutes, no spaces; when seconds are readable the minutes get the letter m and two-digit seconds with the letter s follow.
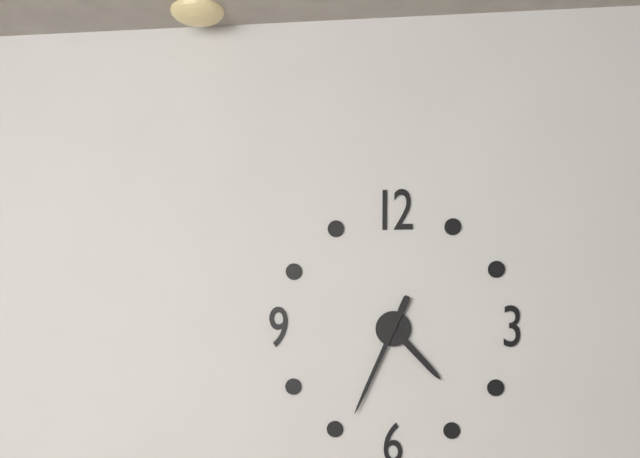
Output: 4h34
